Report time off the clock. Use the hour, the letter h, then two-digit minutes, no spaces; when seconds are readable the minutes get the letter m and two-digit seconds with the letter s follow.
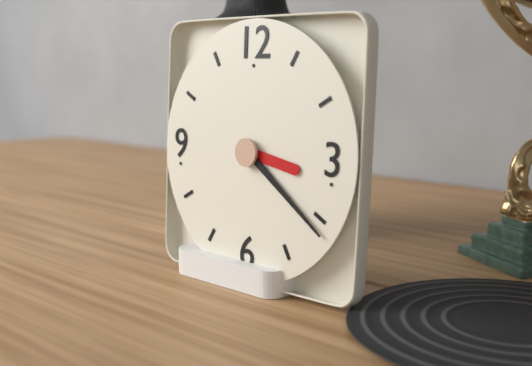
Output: 3h21
